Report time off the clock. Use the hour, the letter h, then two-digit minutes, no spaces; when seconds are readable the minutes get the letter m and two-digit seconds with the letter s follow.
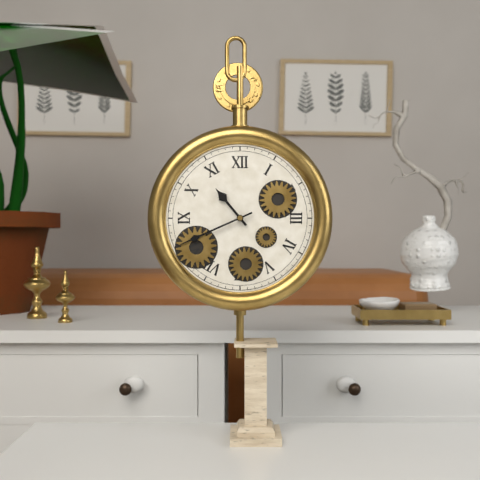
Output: 10h41
